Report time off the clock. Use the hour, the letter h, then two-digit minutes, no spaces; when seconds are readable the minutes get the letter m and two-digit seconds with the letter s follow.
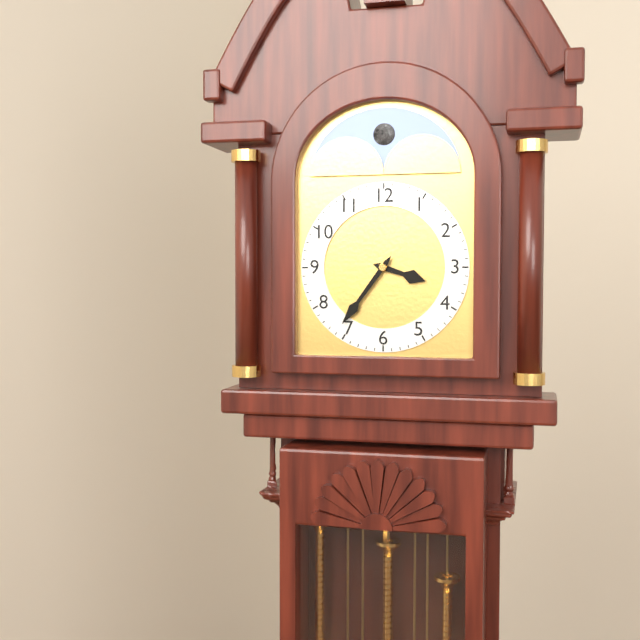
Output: 3h36
